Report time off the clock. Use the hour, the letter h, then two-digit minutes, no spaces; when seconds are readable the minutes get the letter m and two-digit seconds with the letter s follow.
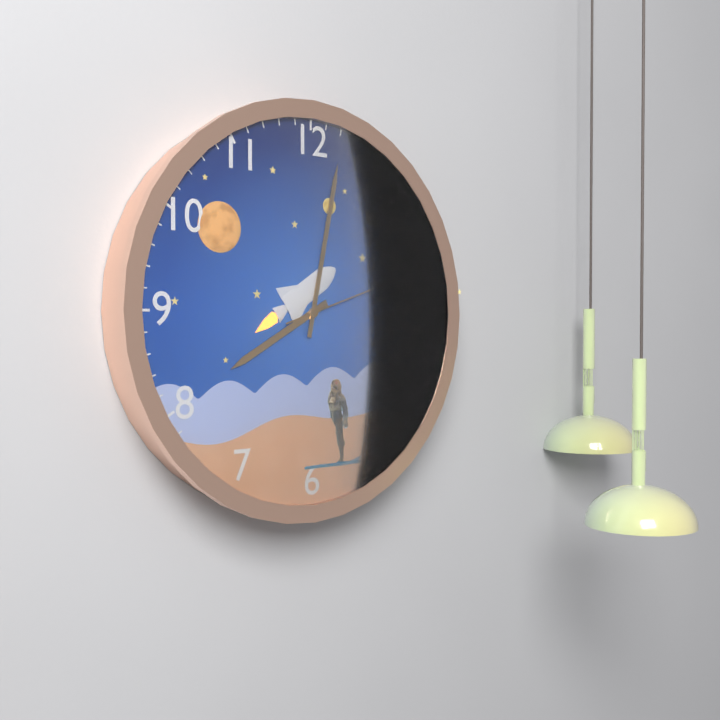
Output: 8h02m12s
